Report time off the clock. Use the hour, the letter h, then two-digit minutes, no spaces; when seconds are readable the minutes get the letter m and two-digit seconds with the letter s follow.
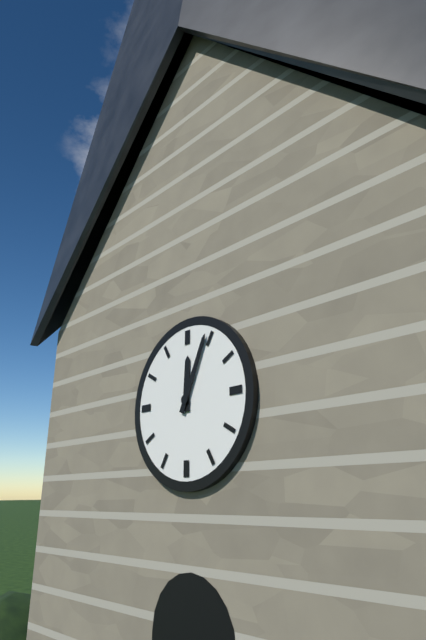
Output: 12h04
